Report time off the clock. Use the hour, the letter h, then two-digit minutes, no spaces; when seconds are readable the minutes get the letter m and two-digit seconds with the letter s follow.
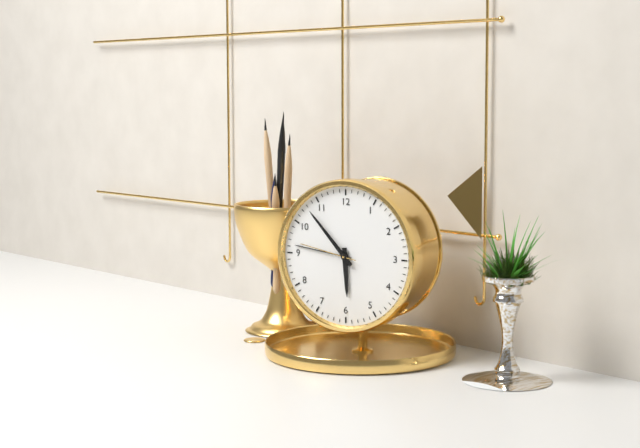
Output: 5h53m47s
